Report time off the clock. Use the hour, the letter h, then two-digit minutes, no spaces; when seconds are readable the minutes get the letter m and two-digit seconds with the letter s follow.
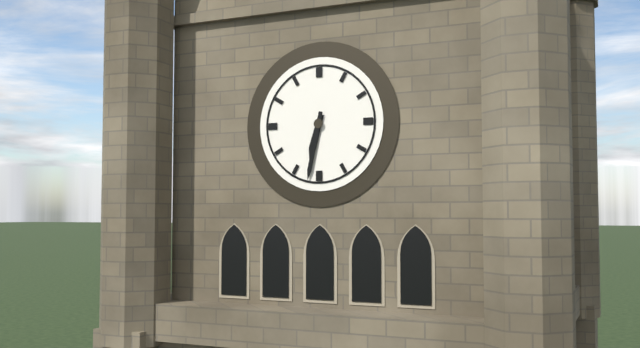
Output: 6h32
